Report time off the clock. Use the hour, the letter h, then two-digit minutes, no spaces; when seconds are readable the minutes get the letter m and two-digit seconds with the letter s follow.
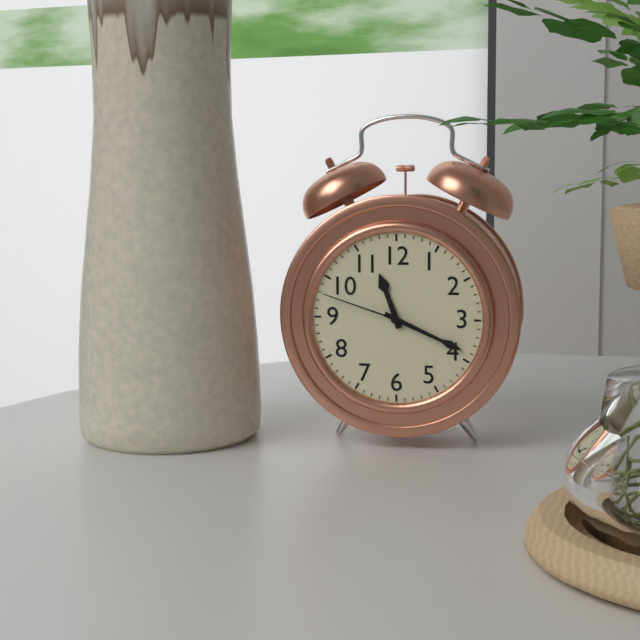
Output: 11h19m48s
